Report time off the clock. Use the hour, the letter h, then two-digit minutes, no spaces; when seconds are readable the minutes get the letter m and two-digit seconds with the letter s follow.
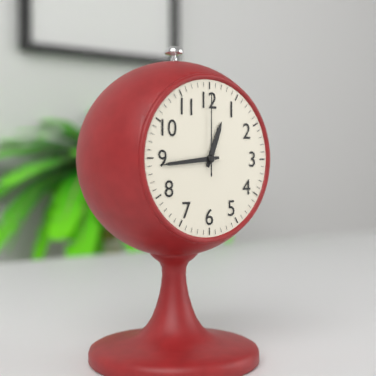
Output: 12h44m00s
